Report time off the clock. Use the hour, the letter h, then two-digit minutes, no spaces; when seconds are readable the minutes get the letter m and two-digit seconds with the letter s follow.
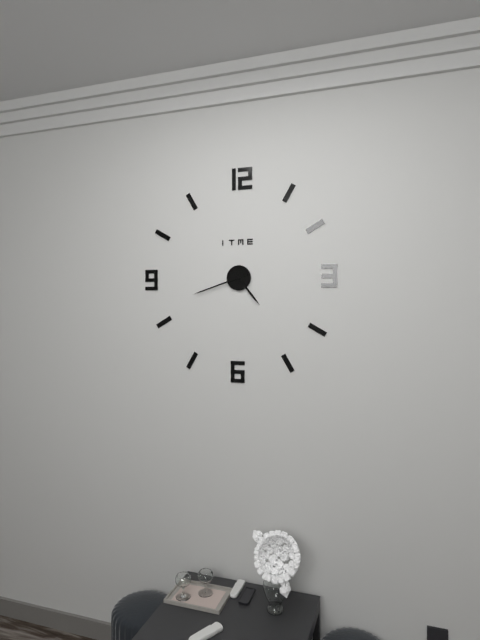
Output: 4h42
